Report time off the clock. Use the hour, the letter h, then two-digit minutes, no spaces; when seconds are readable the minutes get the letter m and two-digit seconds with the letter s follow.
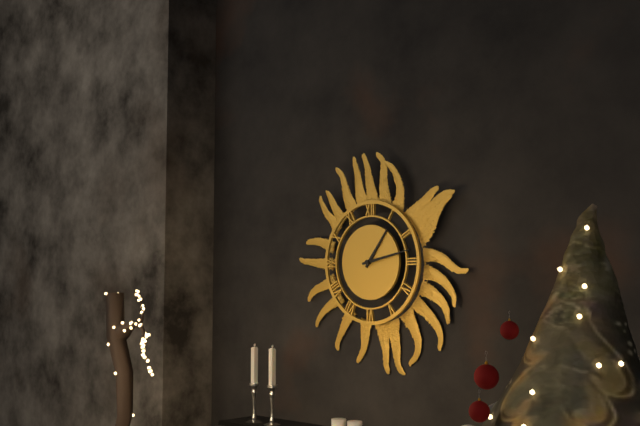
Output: 1h13
